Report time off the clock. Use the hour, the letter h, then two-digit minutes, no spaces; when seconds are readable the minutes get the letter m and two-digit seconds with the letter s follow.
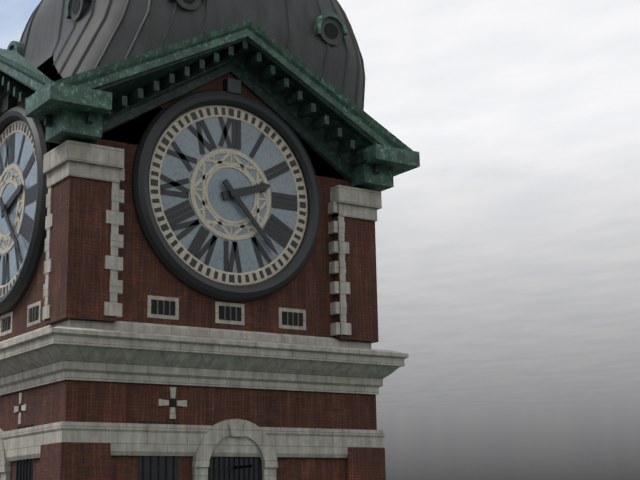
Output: 2h23
